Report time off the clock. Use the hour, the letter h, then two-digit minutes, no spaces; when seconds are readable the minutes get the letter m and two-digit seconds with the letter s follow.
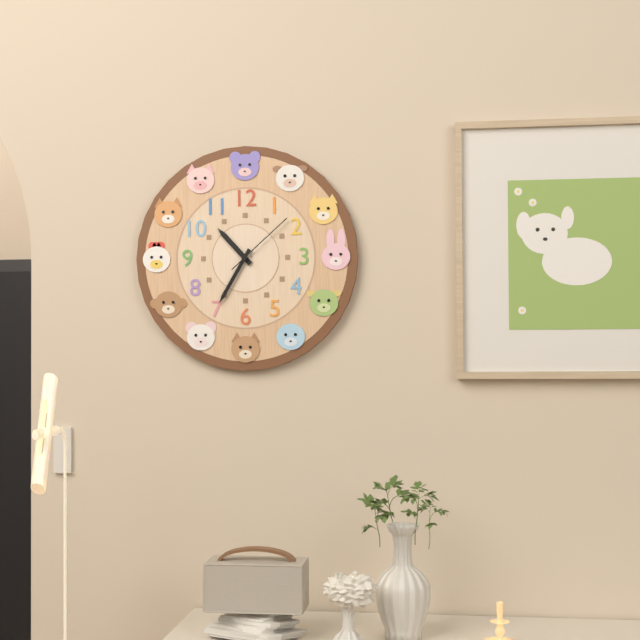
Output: 10h35m08s
